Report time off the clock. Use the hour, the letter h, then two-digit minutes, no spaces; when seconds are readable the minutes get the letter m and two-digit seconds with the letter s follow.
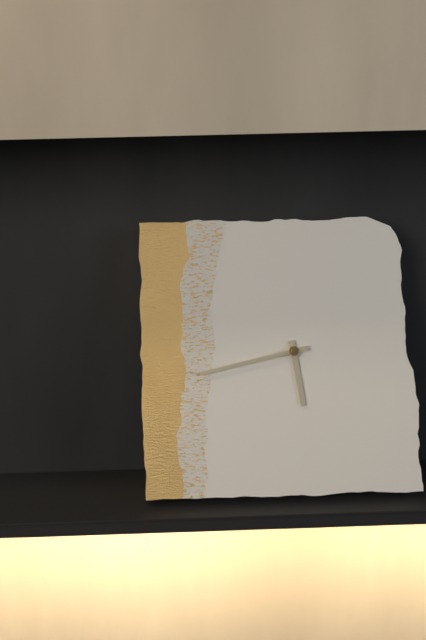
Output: 5h43
